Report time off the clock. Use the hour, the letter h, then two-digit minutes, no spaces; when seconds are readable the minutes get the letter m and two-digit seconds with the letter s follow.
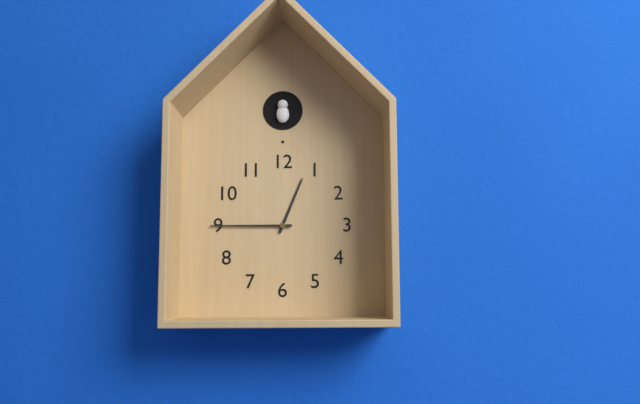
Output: 12h45
